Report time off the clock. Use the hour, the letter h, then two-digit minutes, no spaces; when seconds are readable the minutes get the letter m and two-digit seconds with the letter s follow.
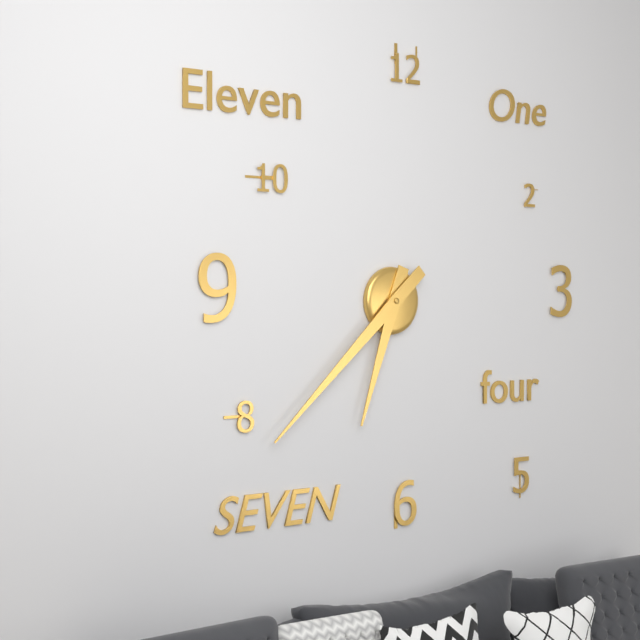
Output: 6h38
